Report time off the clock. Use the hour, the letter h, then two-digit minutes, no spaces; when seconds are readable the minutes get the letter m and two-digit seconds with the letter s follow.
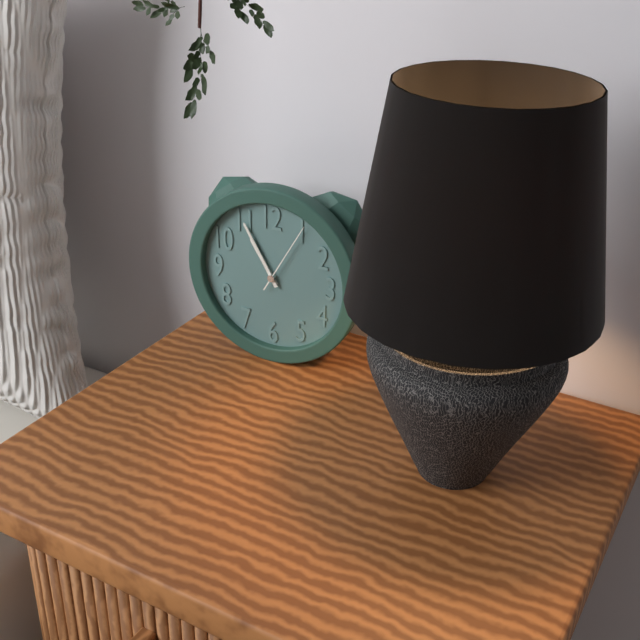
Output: 10h55m05s
